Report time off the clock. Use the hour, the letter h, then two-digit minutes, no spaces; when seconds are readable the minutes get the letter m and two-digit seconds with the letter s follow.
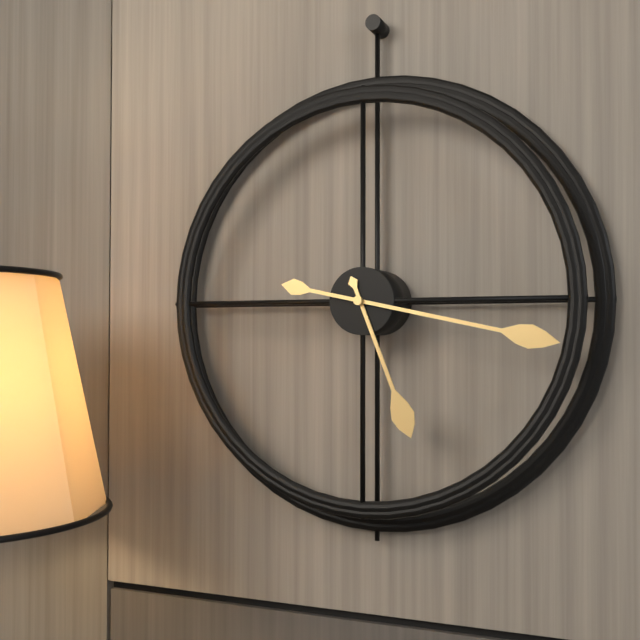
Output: 5h17
